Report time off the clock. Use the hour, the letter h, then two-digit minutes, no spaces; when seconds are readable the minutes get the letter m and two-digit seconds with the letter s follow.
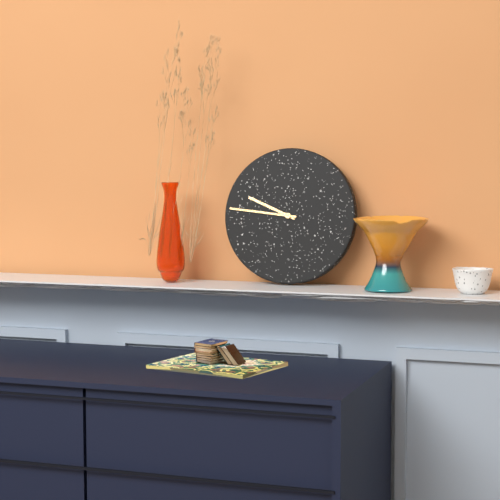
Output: 9h46
